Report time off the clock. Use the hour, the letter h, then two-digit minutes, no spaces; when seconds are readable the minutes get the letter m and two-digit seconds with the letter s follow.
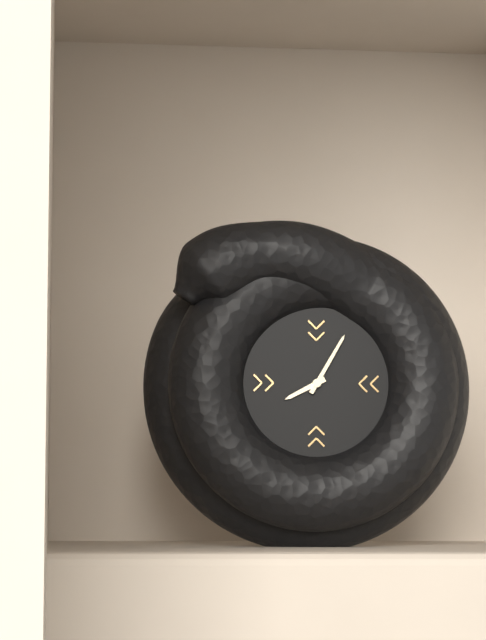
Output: 8h05
